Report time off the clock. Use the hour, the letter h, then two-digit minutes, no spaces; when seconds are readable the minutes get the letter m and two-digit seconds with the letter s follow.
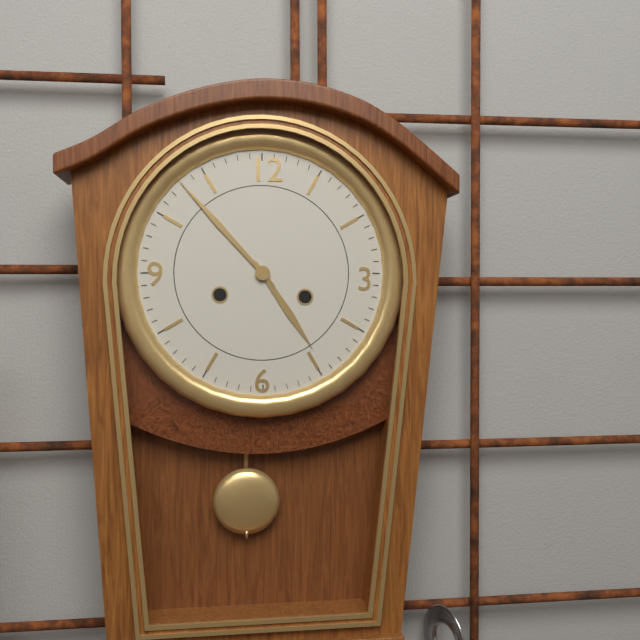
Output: 4h53
